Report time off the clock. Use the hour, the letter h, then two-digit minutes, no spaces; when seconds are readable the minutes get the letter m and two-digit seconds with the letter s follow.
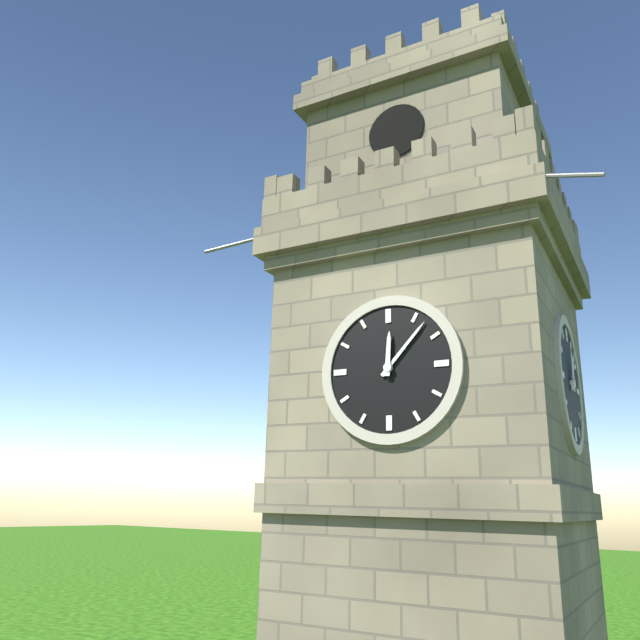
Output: 12h07
